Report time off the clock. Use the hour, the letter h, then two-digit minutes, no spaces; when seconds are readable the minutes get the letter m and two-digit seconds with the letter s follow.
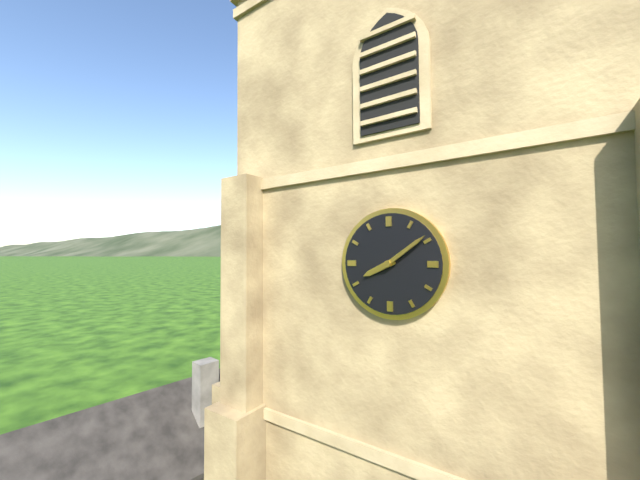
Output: 8h09
